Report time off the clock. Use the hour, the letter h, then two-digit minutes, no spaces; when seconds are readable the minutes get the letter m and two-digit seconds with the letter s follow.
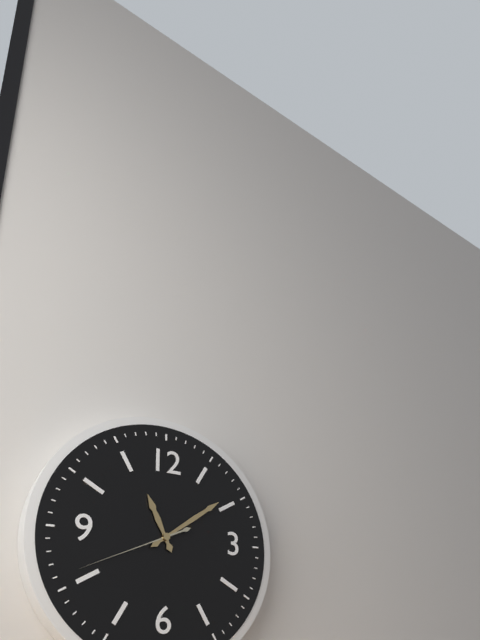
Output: 11h09m41s
